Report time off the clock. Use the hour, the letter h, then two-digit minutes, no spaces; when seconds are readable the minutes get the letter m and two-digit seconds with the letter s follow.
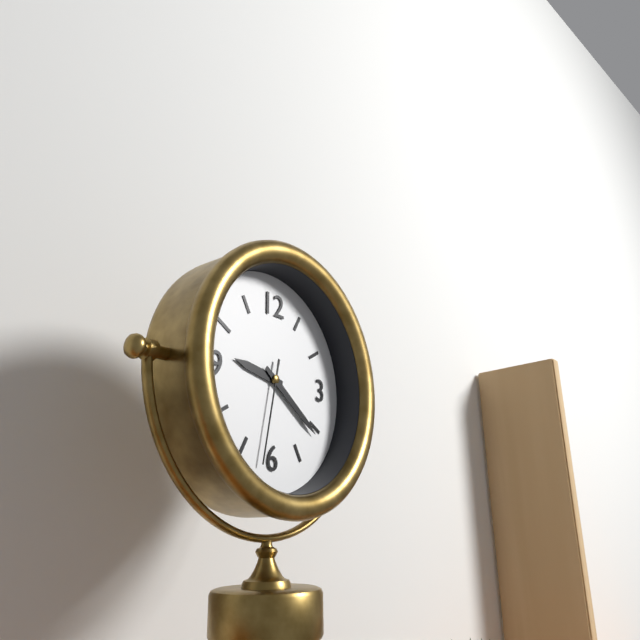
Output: 9h21m32s
